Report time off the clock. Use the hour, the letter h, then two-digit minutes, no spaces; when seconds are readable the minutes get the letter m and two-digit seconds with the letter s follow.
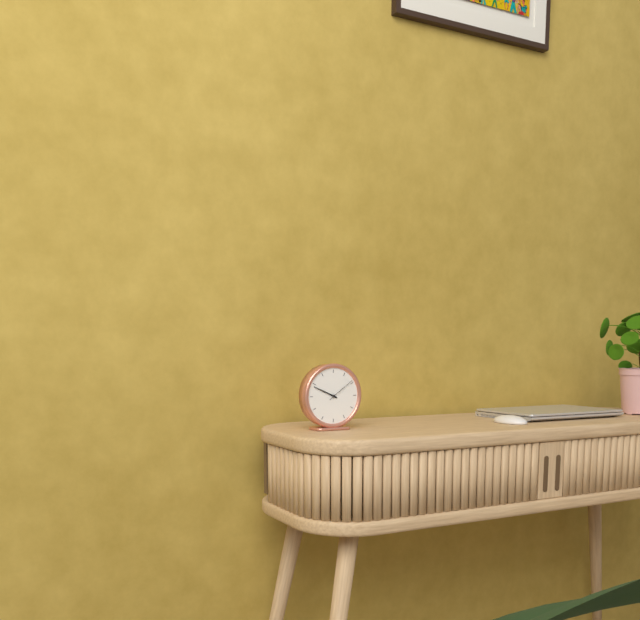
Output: 9h49
